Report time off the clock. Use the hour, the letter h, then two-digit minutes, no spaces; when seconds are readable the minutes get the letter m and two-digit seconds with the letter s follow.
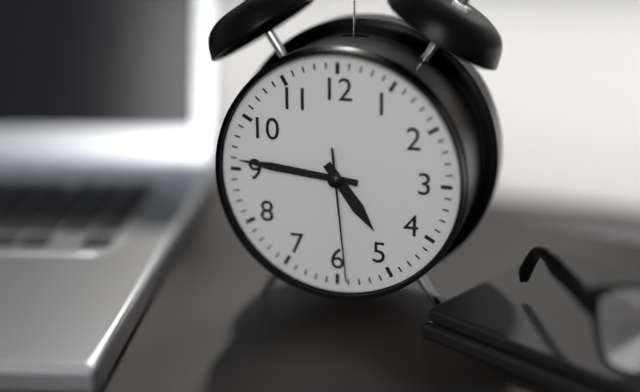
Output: 4h46m29s
